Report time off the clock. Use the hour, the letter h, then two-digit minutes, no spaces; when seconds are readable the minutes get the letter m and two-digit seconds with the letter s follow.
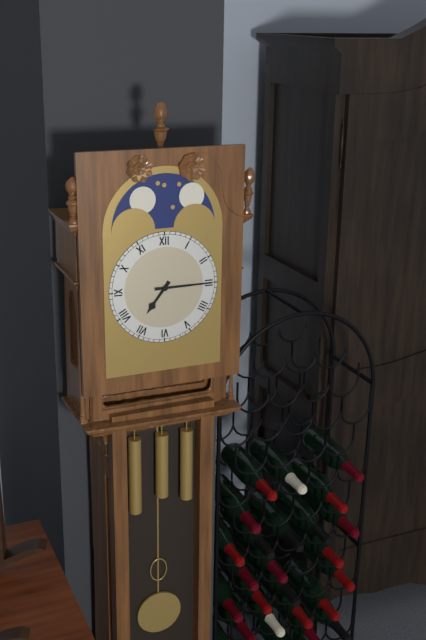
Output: 7h15
